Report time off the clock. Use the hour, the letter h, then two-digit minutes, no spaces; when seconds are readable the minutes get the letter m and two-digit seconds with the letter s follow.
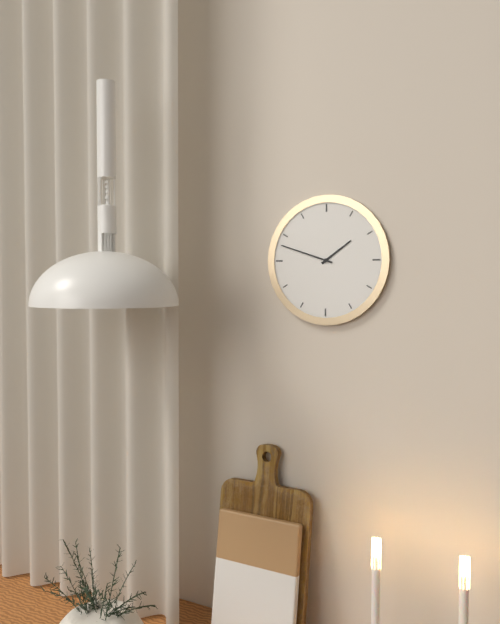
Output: 1h48
